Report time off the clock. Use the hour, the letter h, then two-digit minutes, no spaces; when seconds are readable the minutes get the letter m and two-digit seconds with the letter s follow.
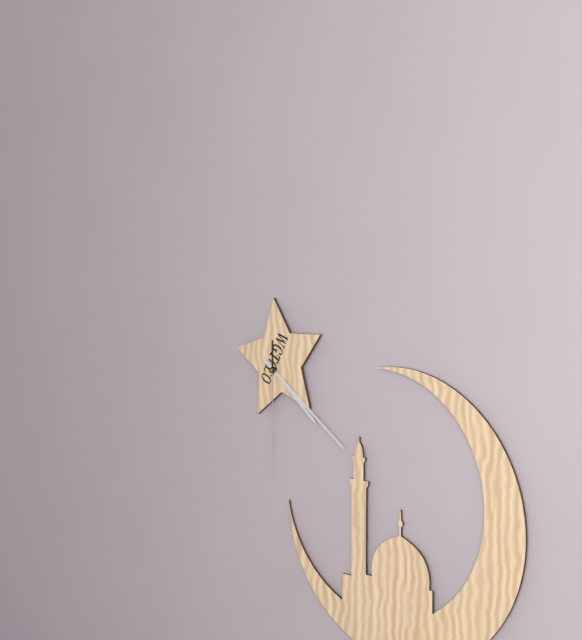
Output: 4h21m30s
